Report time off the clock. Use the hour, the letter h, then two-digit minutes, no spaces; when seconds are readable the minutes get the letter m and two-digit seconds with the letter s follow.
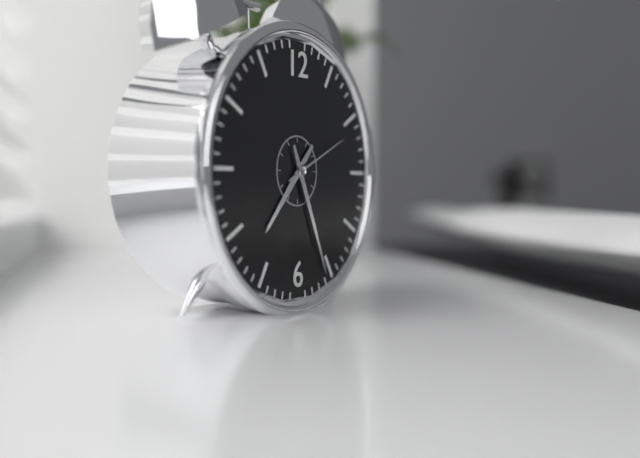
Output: 7h26m11s
